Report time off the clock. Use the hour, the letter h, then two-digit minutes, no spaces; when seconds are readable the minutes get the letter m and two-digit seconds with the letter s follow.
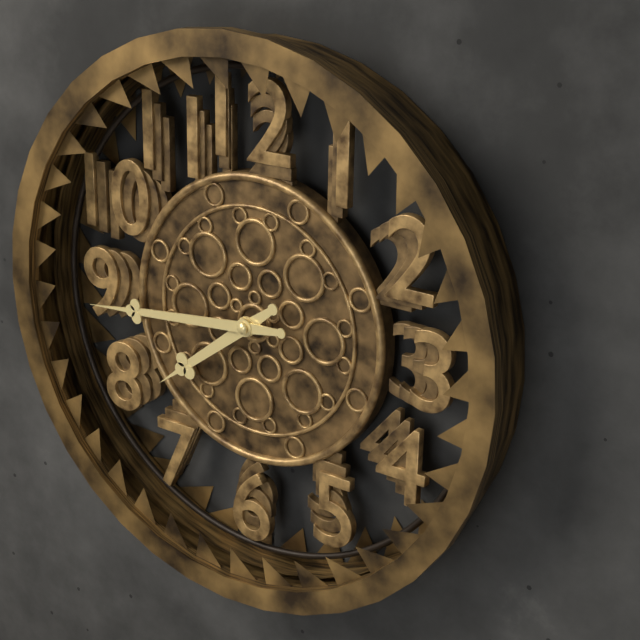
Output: 7h44
